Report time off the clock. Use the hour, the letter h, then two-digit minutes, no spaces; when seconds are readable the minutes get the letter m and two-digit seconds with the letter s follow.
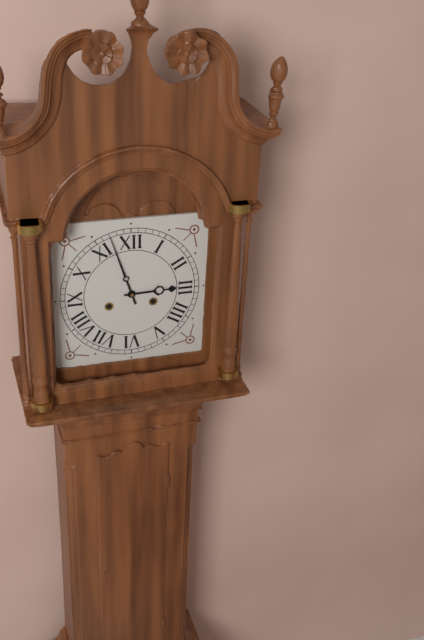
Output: 2h57
